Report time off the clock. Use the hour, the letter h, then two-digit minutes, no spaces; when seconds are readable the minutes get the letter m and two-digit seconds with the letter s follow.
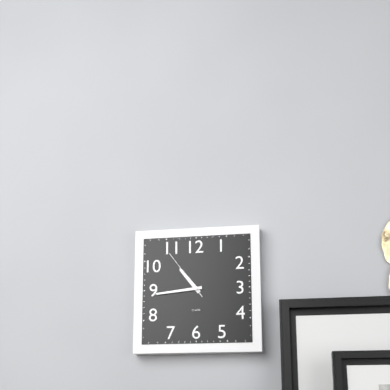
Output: 10h44m54s
